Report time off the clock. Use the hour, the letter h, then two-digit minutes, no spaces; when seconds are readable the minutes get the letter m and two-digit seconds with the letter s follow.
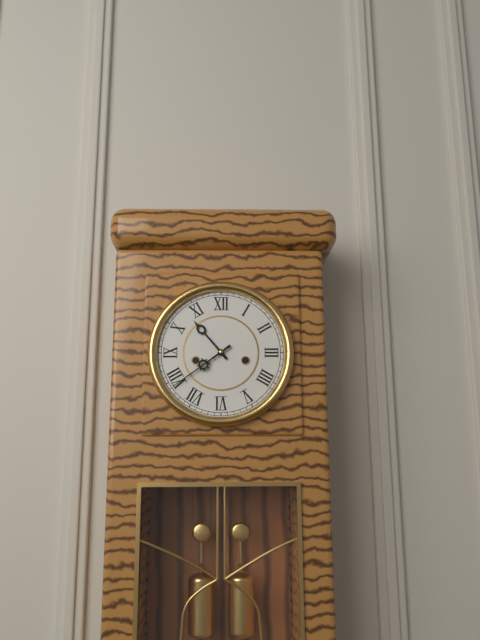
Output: 10h39
